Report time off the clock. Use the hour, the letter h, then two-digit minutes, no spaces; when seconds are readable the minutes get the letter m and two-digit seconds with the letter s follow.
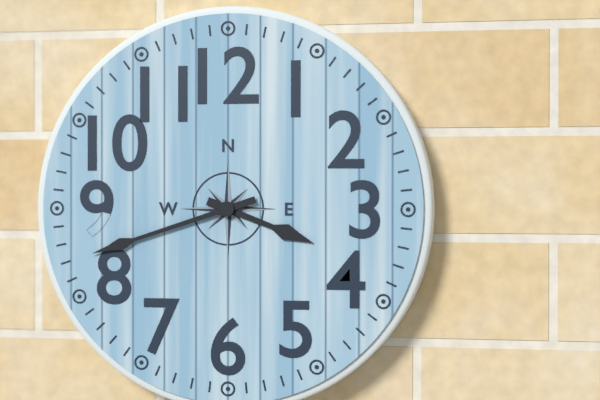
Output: 3h42
